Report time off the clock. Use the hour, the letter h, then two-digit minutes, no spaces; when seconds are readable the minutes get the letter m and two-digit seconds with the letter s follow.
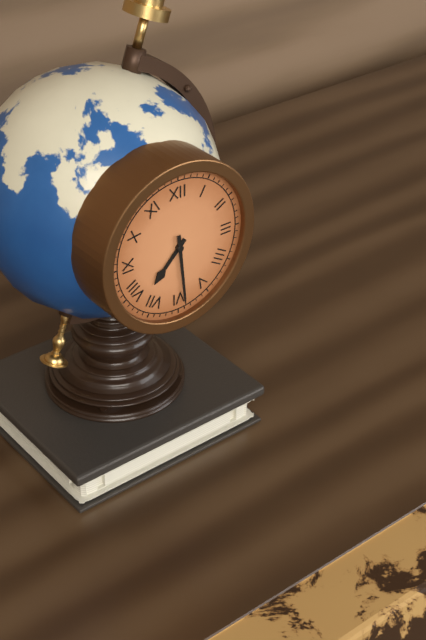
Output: 7h29
